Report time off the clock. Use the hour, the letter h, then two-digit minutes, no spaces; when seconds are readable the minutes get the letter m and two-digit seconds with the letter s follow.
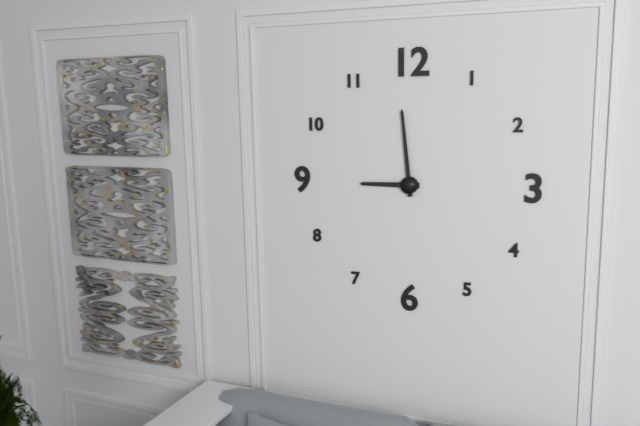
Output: 8h59
